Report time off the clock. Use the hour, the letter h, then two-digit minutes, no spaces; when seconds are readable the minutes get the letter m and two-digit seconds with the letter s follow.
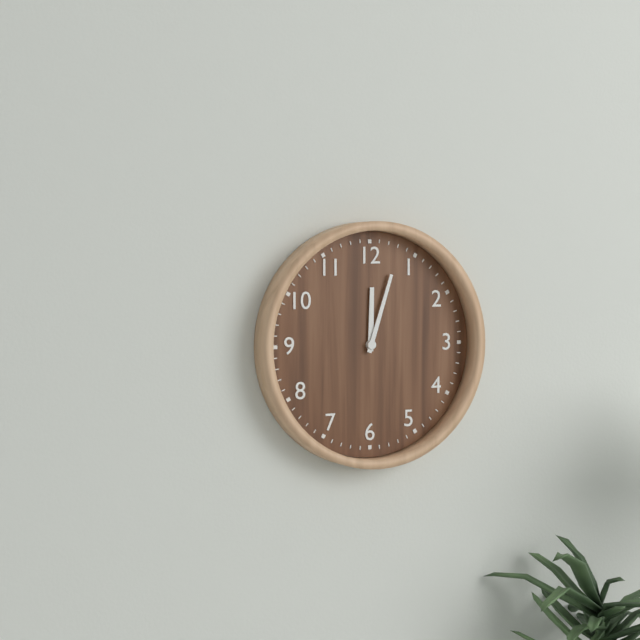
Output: 12h03
